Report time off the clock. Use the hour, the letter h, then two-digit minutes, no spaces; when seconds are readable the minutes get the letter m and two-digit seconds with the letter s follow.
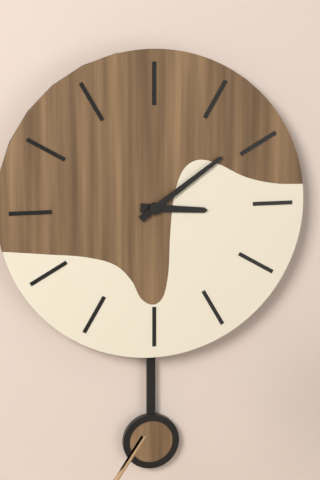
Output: 3h09
